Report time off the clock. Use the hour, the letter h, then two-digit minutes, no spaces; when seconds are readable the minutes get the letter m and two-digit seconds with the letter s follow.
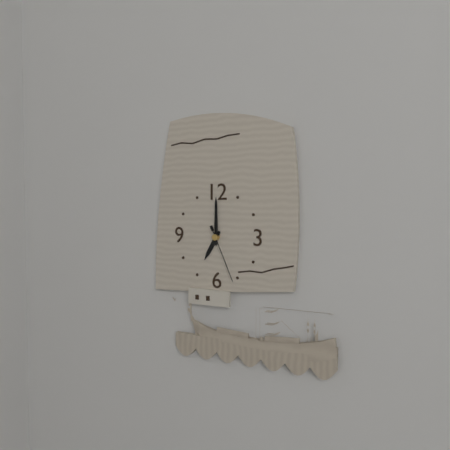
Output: 7h00m26s
